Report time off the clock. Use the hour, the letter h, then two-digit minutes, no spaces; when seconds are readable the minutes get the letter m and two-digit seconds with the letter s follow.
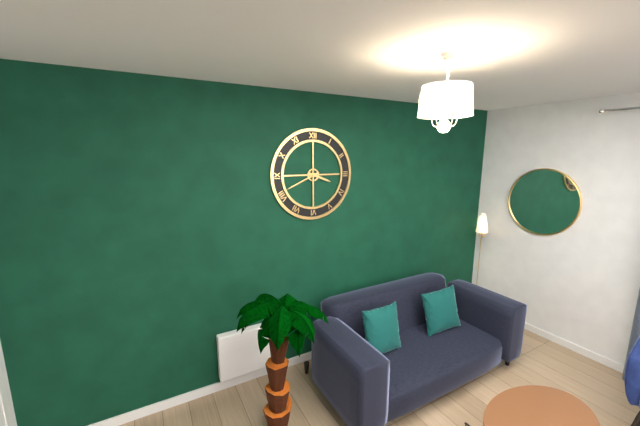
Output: 3h41
